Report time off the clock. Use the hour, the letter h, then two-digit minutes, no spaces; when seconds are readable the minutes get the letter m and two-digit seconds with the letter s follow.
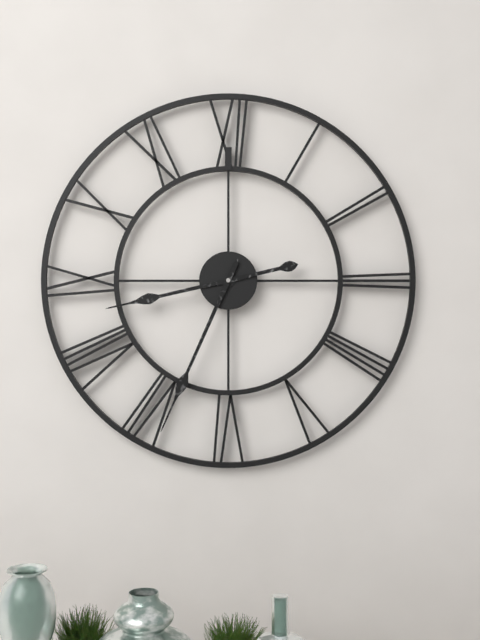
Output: 8h34
